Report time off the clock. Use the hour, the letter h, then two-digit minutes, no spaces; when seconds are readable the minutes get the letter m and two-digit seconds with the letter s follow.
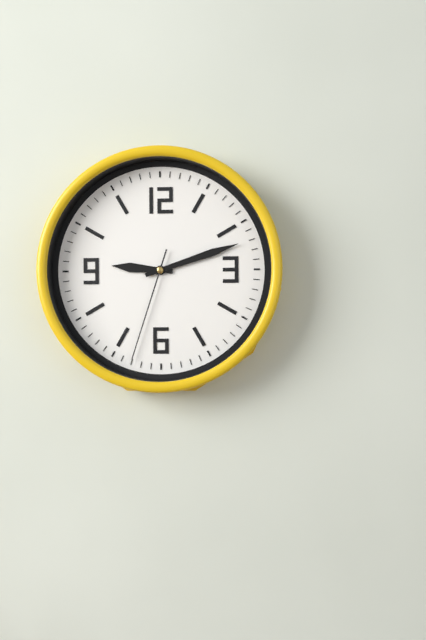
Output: 9h12m33s
